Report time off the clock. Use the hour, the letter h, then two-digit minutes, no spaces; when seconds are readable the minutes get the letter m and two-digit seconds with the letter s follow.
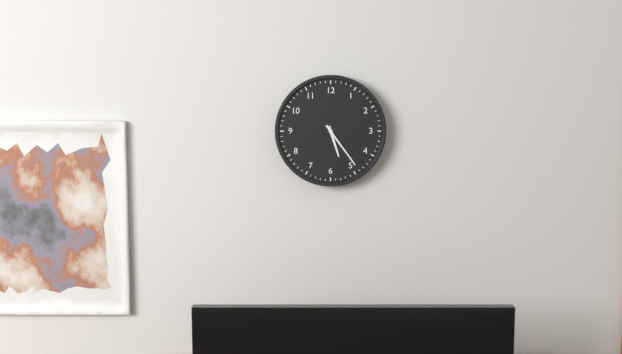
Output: 5h24
